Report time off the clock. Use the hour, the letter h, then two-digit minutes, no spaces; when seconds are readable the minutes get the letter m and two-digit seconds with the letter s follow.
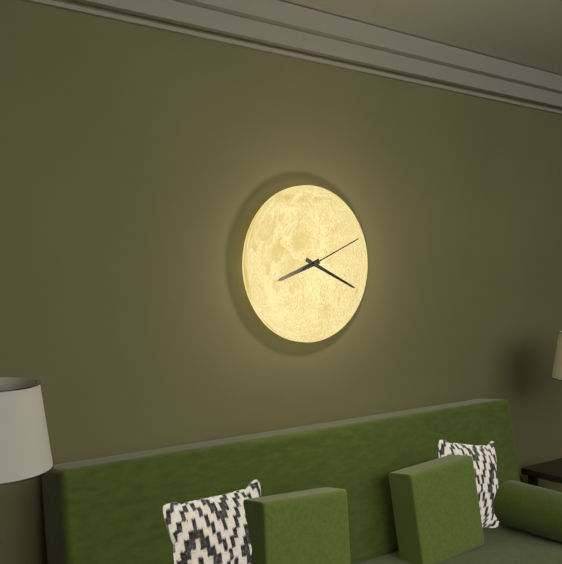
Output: 8h19m11s
